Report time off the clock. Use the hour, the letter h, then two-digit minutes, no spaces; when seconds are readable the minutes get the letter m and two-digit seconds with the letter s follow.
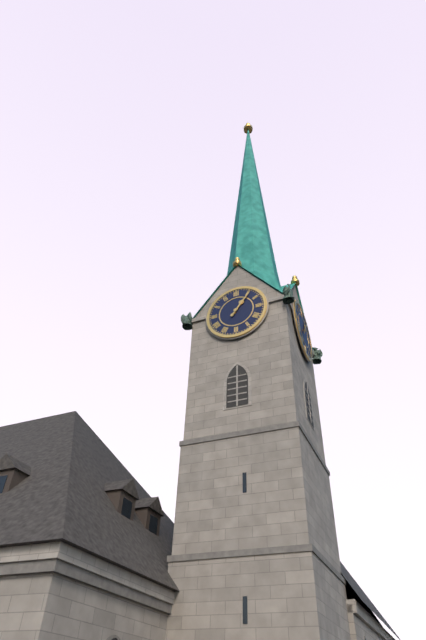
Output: 1h06
